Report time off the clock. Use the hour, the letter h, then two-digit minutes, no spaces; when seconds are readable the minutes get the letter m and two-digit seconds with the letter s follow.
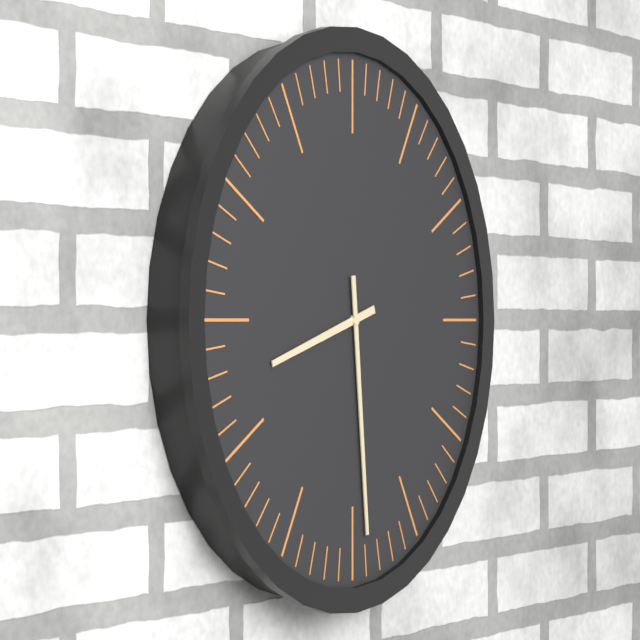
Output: 8h29
